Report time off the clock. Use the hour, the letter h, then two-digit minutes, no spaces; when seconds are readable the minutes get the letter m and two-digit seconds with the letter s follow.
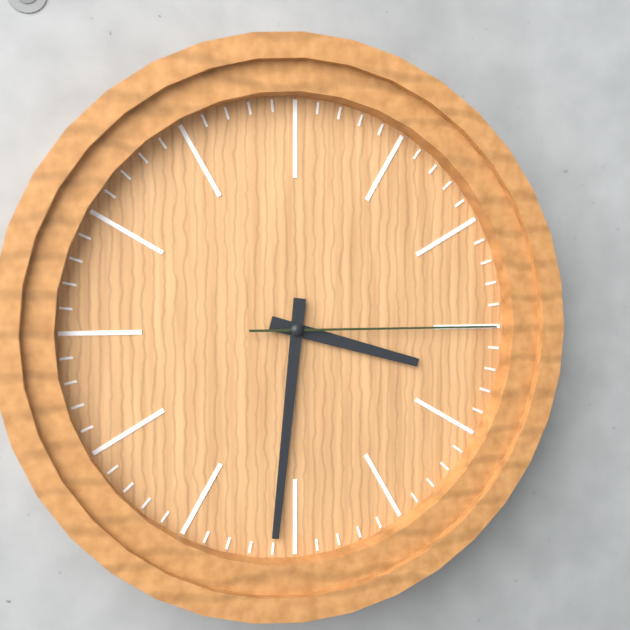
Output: 3h31m15s
